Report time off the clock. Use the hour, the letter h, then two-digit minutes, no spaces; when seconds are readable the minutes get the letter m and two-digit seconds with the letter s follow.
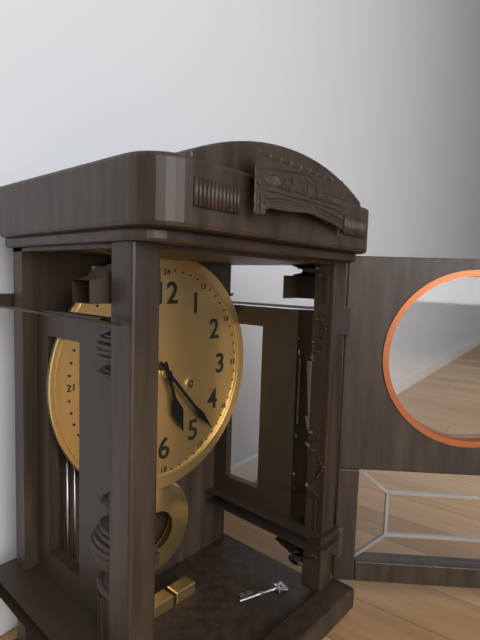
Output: 5h23
